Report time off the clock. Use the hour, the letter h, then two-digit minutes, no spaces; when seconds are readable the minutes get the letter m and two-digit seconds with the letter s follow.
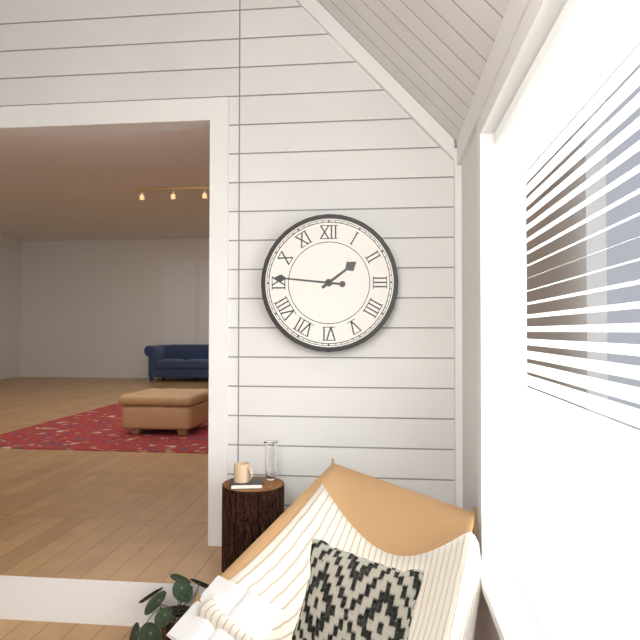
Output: 1h46
